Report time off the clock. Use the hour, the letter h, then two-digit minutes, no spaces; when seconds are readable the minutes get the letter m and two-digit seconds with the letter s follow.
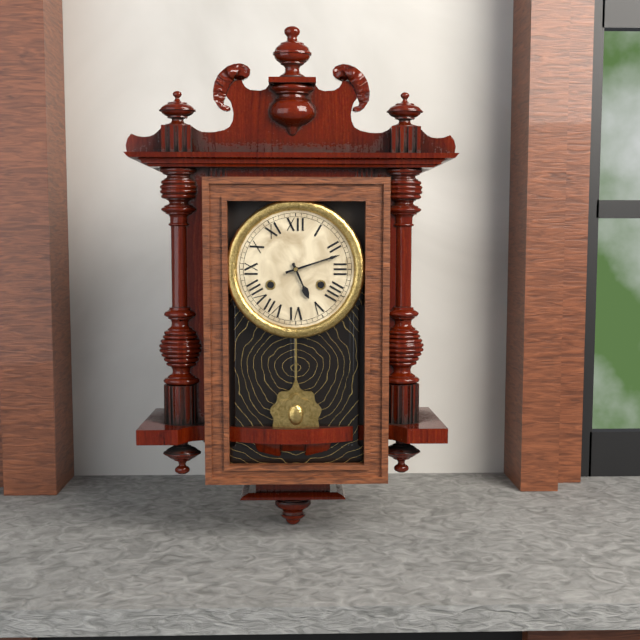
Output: 5h12
